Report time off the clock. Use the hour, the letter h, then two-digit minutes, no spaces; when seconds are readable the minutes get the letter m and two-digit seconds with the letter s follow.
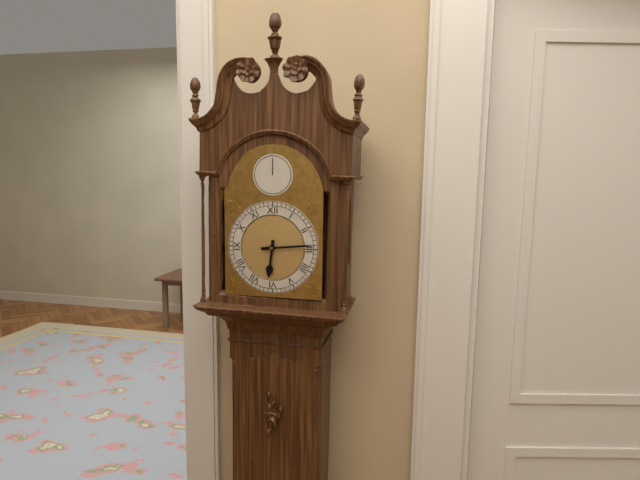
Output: 6h14
